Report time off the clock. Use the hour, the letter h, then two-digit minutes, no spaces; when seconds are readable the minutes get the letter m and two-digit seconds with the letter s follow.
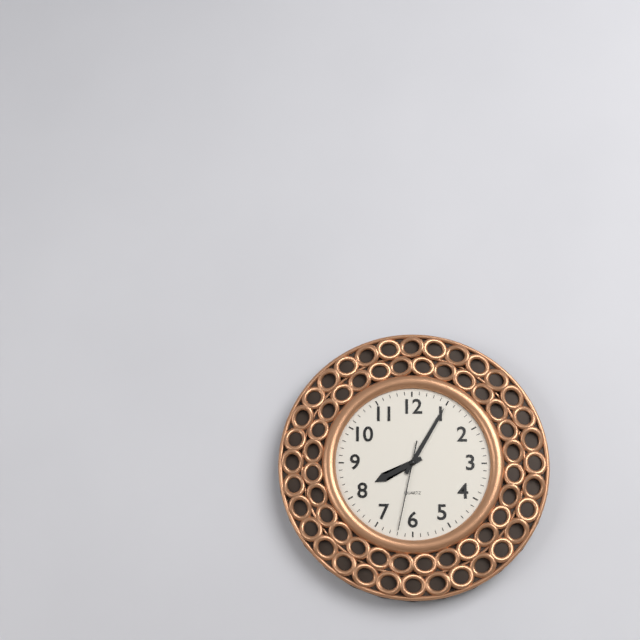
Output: 8h05m32s
